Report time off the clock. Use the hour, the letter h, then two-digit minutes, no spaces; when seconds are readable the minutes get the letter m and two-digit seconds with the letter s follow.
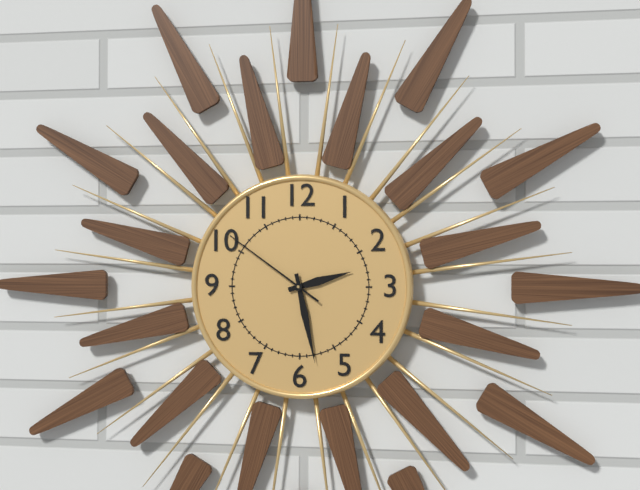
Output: 2h28m51s
